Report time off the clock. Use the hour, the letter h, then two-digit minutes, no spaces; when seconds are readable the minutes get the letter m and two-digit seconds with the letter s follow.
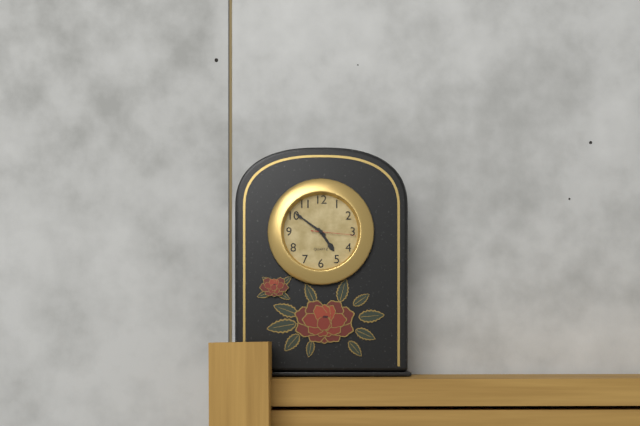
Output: 4h51
